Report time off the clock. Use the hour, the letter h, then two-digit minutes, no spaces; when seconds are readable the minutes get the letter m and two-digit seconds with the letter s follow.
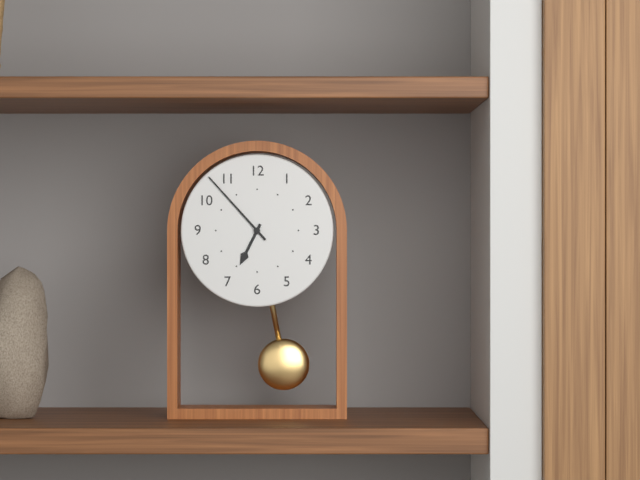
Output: 6h53
